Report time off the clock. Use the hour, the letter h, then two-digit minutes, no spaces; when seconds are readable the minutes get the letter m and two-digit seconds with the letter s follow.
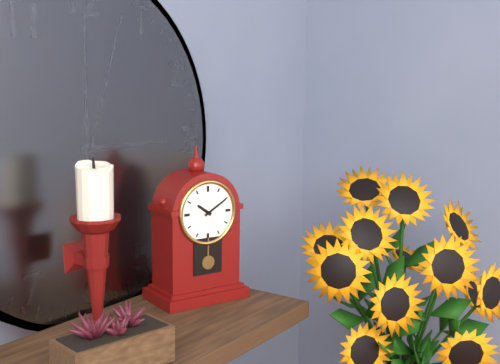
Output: 10h10
